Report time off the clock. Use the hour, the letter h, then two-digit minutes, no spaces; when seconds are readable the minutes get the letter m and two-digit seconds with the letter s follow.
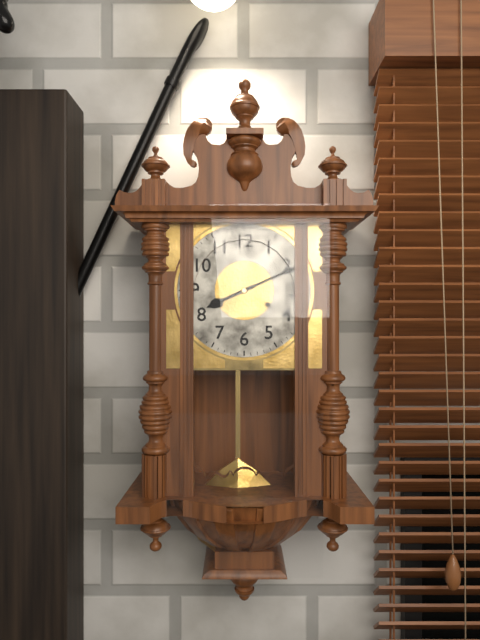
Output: 8h11
